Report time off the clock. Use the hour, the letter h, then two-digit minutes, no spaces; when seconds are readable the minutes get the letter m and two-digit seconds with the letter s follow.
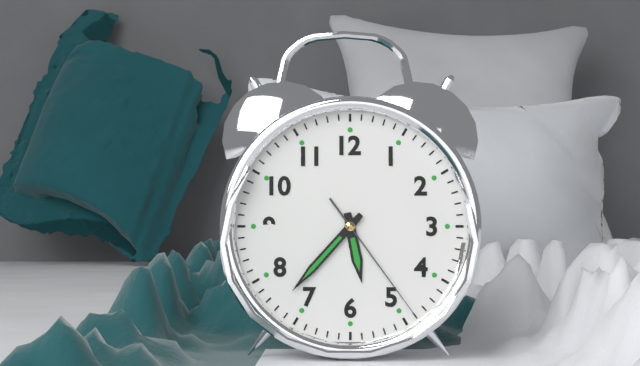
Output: 5h37m24s
